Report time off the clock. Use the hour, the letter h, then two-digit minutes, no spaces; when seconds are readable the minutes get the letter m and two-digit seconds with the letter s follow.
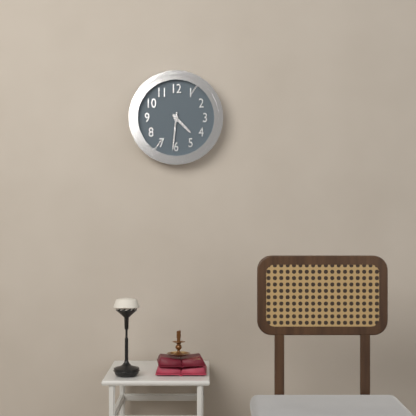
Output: 4h31
